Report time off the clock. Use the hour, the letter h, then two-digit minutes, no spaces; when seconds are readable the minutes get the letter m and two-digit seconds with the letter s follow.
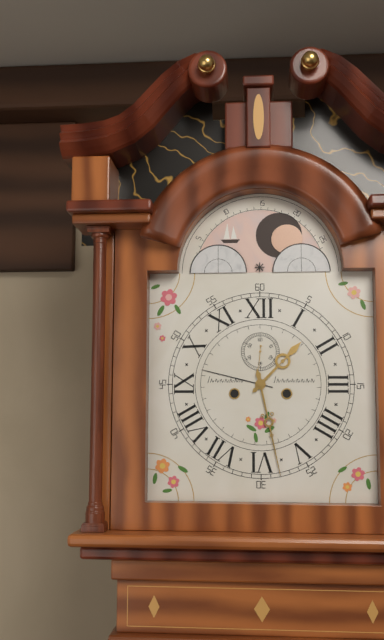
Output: 1h28
